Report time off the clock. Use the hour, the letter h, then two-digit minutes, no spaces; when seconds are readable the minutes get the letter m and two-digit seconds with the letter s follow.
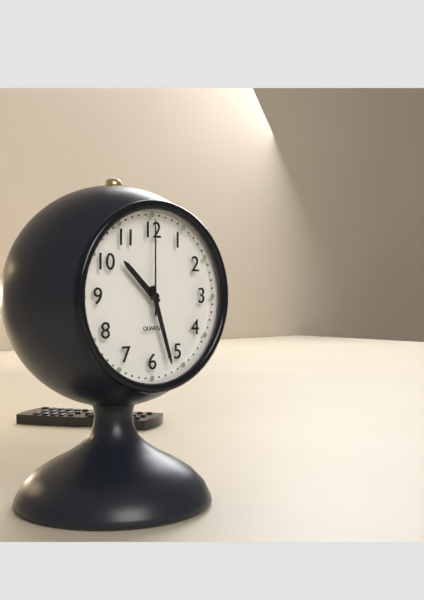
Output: 10h27m00s
